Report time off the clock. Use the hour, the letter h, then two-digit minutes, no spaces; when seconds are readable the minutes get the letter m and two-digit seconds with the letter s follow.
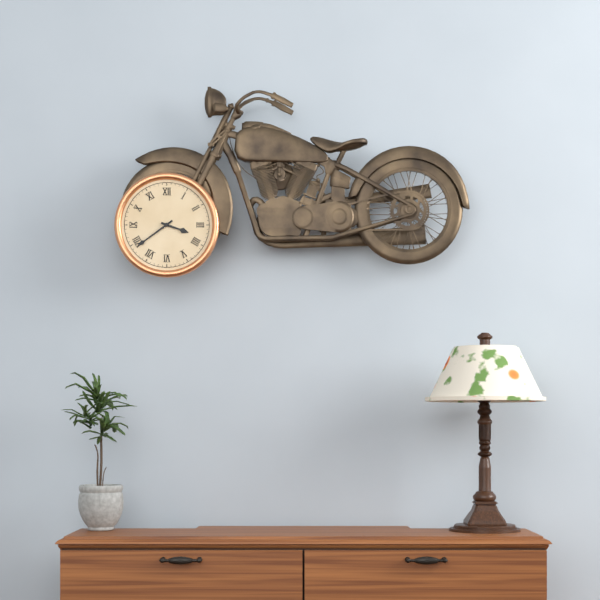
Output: 3h39
